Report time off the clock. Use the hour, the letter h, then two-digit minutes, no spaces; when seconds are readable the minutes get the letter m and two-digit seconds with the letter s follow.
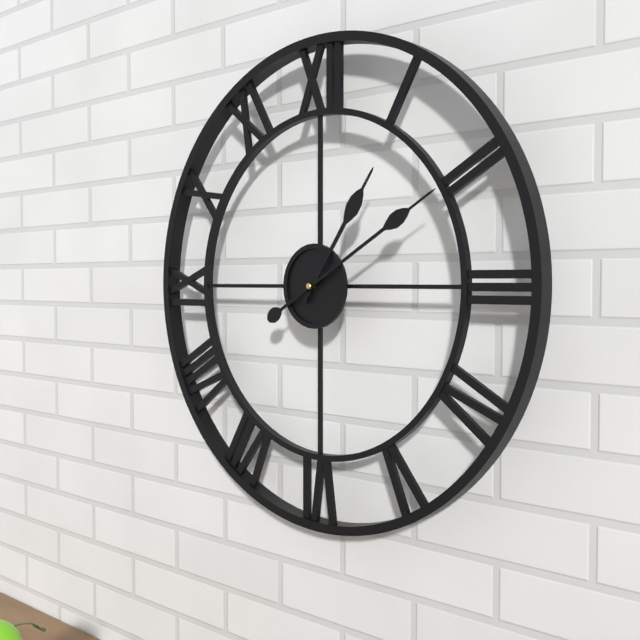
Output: 1h10
